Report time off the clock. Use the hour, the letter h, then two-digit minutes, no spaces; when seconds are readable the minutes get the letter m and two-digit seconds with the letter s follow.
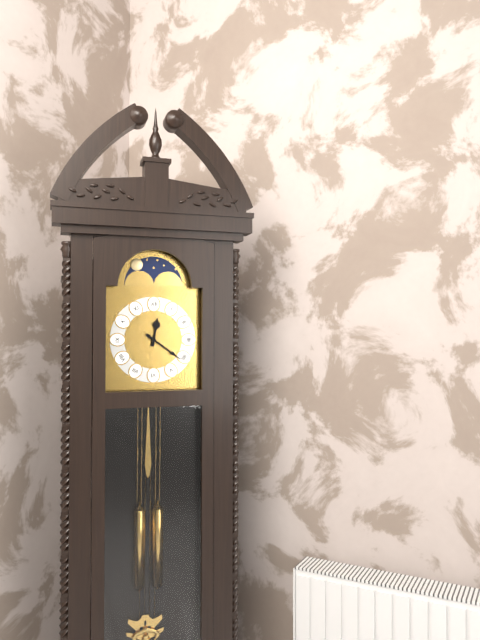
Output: 12h21
